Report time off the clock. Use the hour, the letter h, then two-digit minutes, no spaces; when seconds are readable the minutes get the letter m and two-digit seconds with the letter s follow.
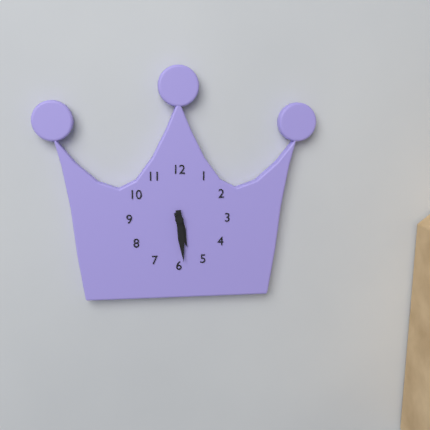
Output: 5h29
